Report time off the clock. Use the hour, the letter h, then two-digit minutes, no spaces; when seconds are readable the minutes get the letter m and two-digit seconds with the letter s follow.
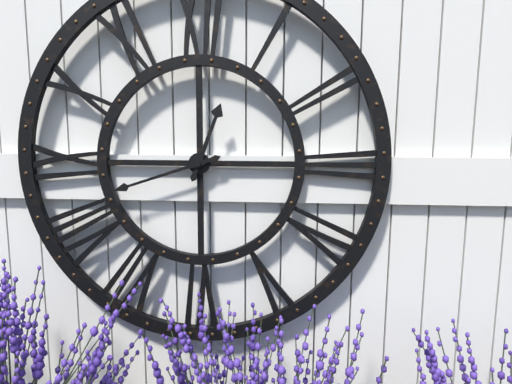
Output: 12h42
